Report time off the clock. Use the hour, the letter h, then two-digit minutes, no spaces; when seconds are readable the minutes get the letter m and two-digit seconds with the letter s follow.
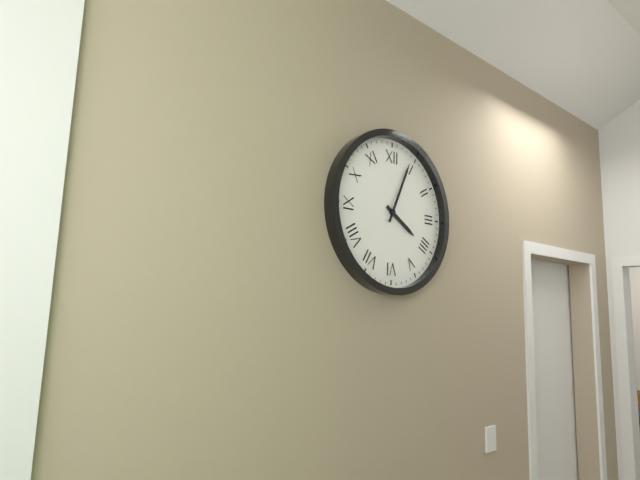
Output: 4h04
